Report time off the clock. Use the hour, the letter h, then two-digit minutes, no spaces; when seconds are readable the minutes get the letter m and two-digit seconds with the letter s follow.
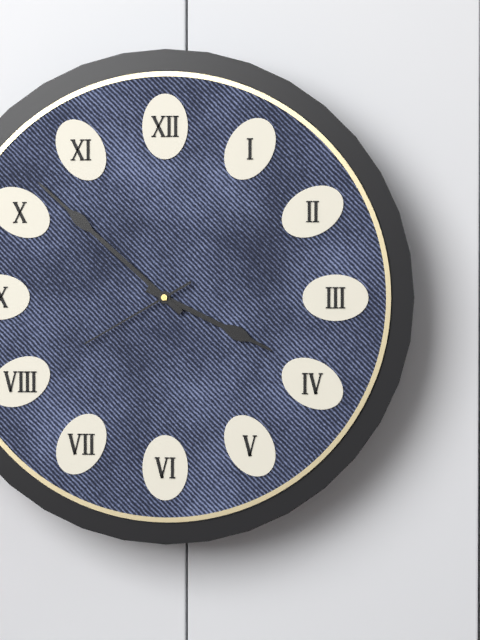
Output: 3h52m40s
